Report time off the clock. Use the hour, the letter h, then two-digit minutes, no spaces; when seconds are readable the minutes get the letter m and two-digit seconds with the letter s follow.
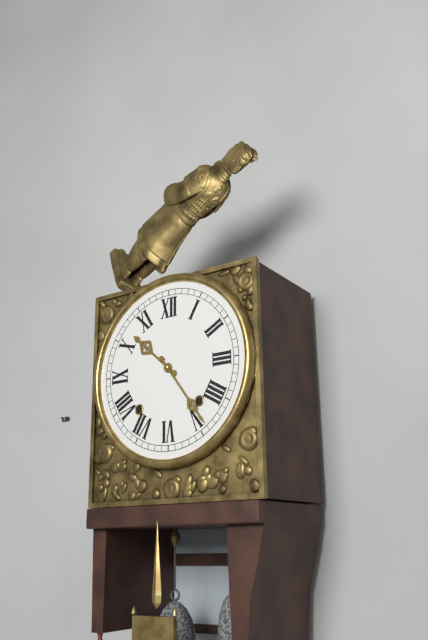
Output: 10h24
